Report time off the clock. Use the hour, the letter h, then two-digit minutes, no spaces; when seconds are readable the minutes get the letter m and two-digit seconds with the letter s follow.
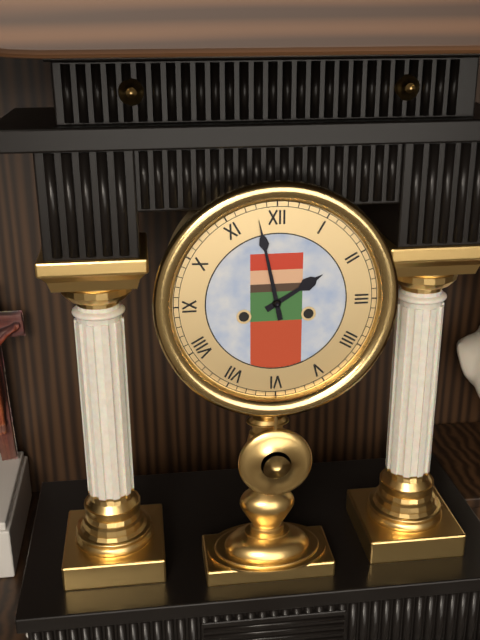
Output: 1h58
